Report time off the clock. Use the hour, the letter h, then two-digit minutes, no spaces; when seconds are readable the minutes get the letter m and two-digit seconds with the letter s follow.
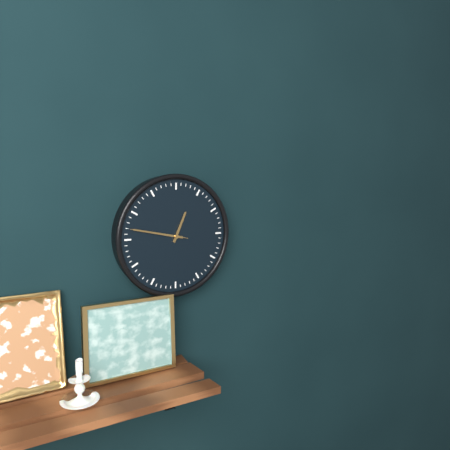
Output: 12h47
